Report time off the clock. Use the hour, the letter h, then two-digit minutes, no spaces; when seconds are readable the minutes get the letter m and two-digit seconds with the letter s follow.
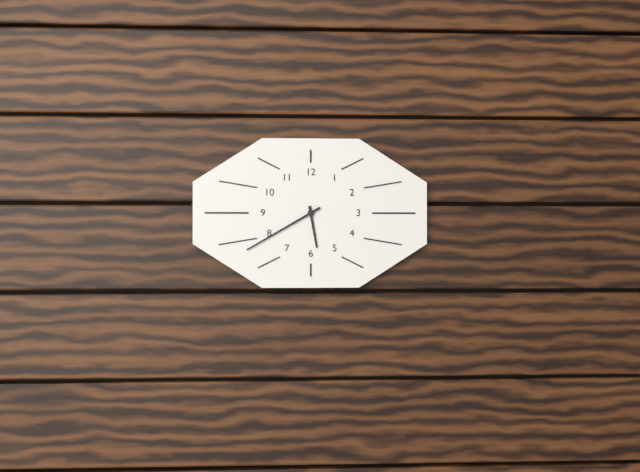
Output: 5h40
